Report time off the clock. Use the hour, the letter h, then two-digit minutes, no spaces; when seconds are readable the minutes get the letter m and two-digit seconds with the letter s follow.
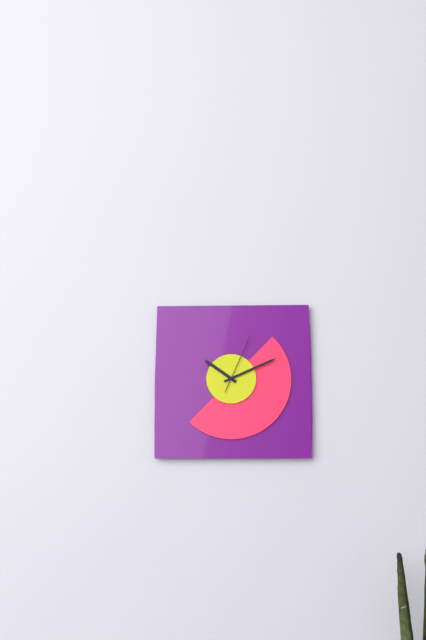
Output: 10h11m04s
